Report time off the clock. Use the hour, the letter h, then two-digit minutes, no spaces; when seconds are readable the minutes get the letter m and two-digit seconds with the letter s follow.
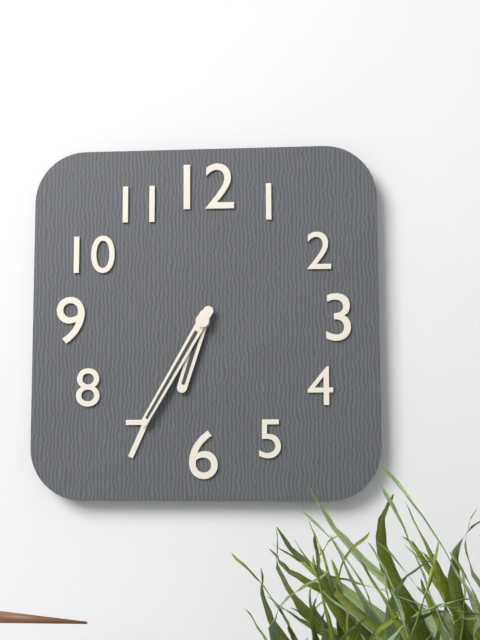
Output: 6h35
